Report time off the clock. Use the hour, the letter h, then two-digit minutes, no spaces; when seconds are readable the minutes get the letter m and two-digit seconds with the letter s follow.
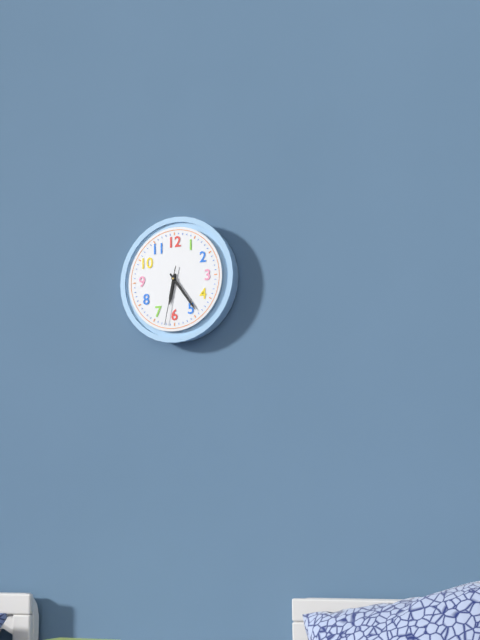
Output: 6h24m32s
